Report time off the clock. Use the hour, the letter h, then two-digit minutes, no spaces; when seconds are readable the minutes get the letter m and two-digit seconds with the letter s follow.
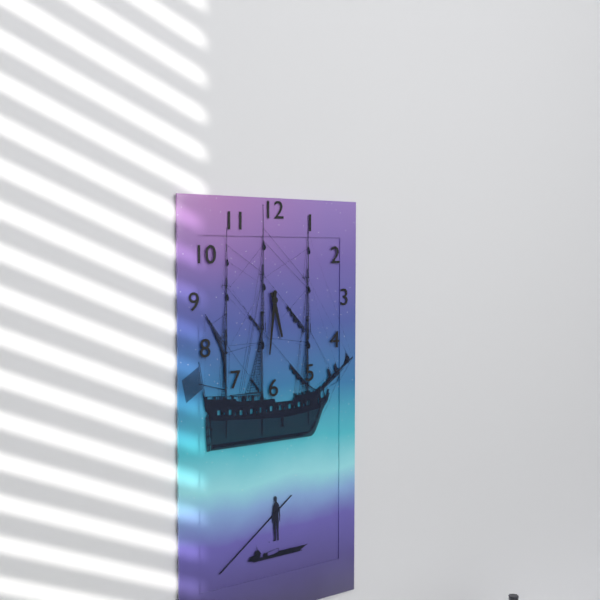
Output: 5h31
